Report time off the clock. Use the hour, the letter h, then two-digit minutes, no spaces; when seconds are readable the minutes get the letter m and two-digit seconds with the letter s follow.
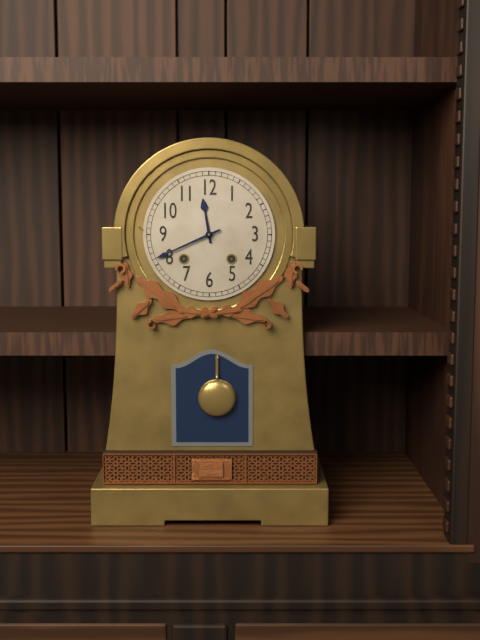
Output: 11h41
